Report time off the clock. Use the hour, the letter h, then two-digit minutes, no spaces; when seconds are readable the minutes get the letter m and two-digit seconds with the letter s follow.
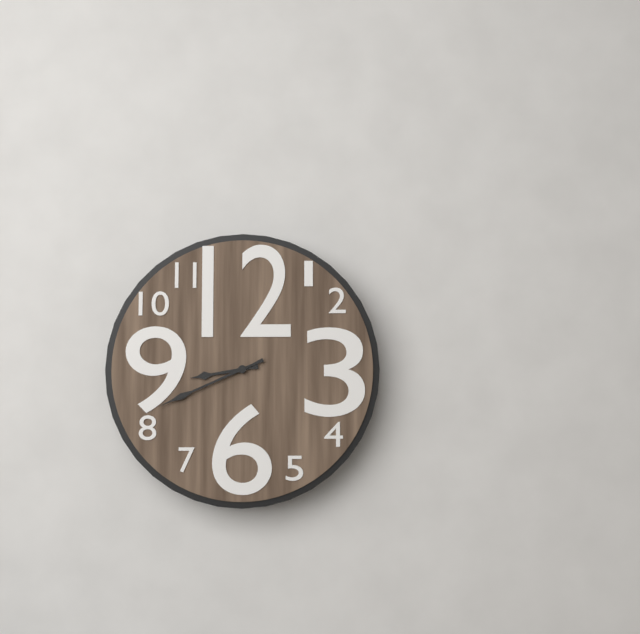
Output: 8h41
